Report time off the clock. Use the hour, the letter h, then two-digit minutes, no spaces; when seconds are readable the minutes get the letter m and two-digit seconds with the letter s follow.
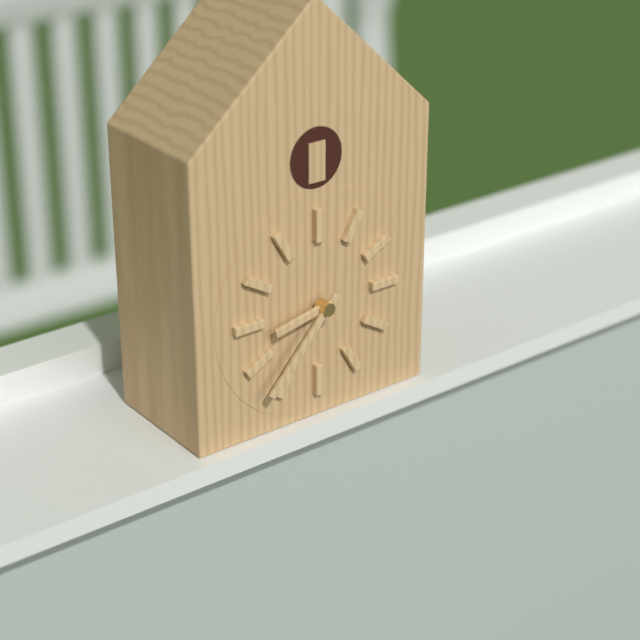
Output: 8h37
